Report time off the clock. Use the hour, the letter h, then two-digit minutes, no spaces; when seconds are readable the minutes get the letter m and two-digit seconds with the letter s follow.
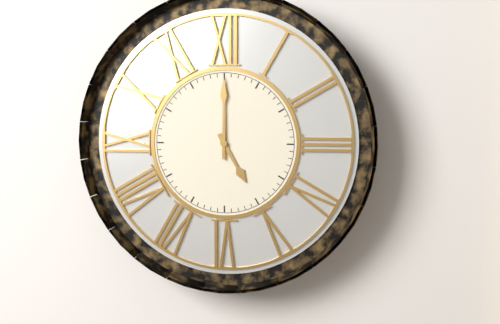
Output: 5h00
